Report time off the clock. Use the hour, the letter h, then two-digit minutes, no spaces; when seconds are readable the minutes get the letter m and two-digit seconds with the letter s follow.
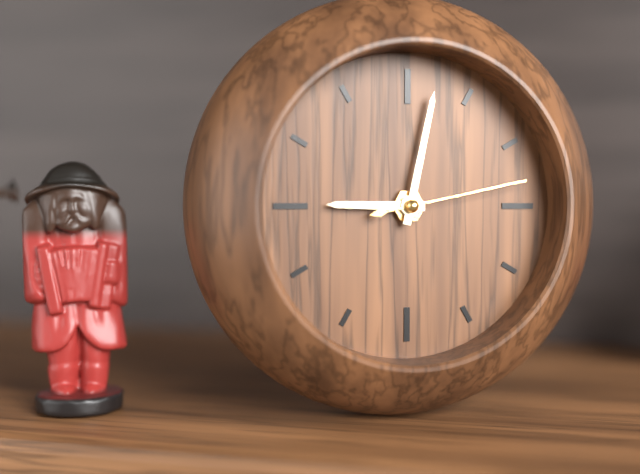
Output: 9h02m13s
